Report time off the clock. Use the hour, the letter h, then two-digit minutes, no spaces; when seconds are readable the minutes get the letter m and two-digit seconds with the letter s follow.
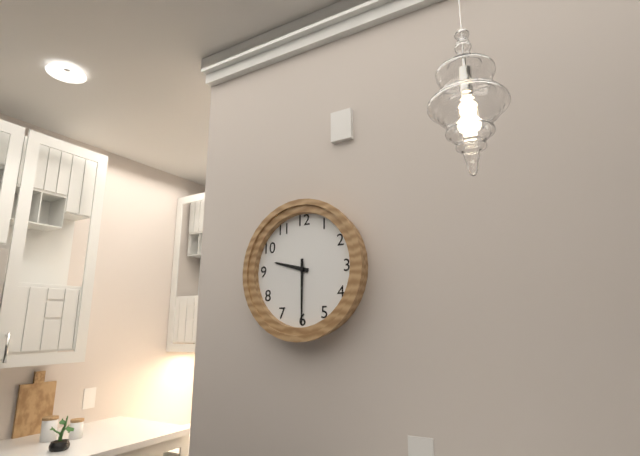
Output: 9h30
